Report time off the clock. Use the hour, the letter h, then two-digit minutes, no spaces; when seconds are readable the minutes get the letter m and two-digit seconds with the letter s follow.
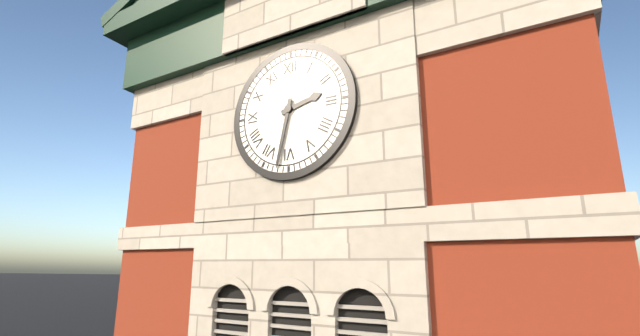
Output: 2h32
